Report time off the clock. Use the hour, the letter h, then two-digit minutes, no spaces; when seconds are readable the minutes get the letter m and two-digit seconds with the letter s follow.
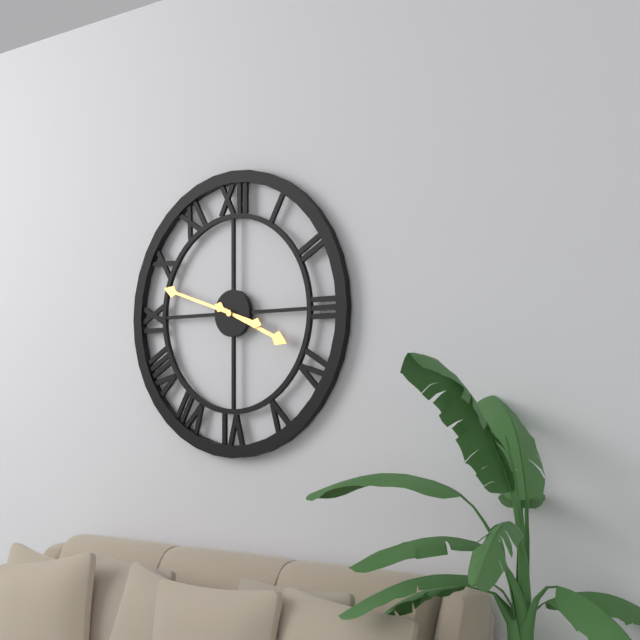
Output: 3h48
